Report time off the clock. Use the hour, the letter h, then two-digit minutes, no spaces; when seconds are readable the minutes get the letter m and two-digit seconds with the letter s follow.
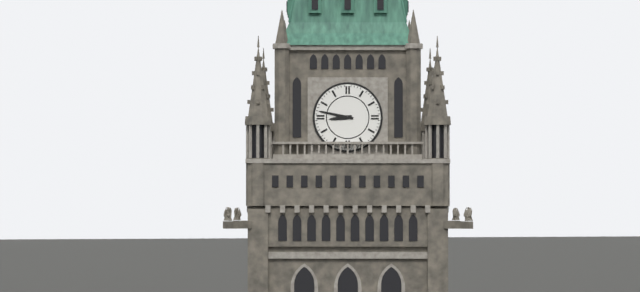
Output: 8h47
